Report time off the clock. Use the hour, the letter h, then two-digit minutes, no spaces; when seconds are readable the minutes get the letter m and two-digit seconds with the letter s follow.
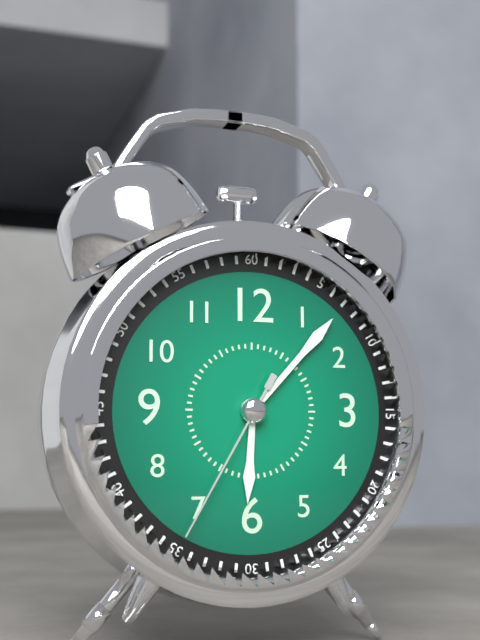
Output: 6h07m35s
